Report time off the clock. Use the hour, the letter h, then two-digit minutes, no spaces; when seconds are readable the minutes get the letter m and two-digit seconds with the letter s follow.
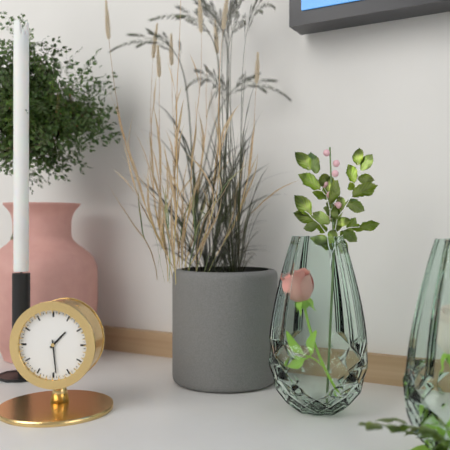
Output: 1h29
